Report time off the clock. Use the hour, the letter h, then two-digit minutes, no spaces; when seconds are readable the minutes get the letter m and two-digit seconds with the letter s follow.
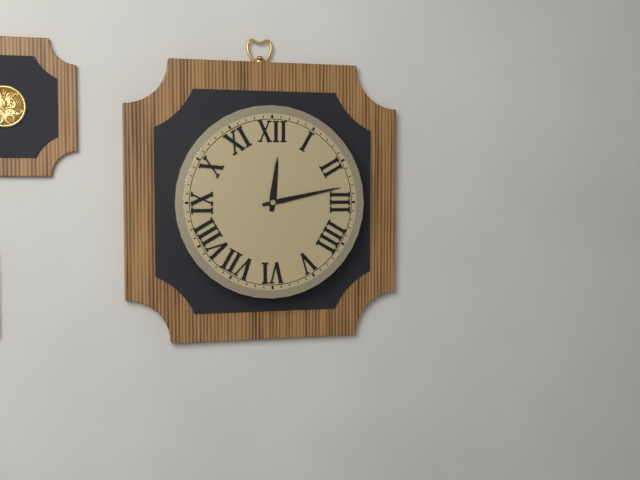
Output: 12h13
